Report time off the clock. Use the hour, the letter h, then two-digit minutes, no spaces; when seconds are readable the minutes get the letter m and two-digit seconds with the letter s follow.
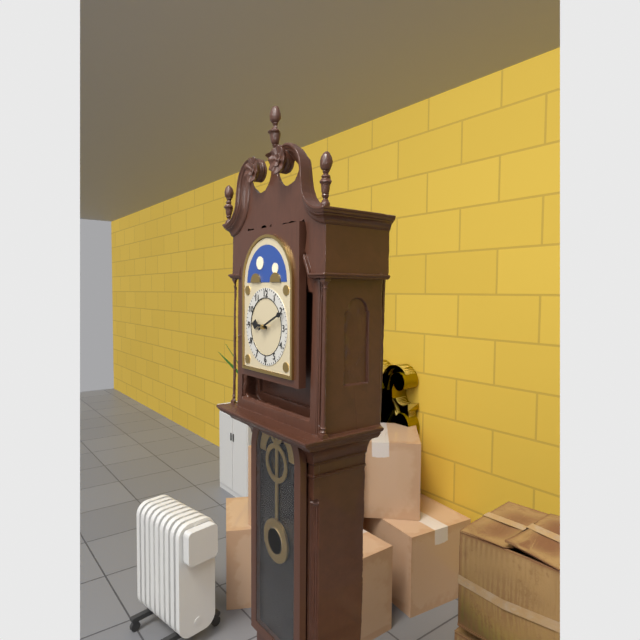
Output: 9h11
